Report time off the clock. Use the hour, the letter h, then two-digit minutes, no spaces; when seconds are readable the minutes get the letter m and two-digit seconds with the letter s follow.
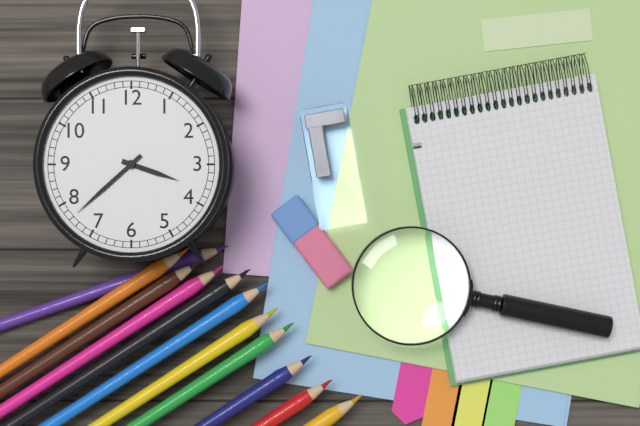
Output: 3h38
